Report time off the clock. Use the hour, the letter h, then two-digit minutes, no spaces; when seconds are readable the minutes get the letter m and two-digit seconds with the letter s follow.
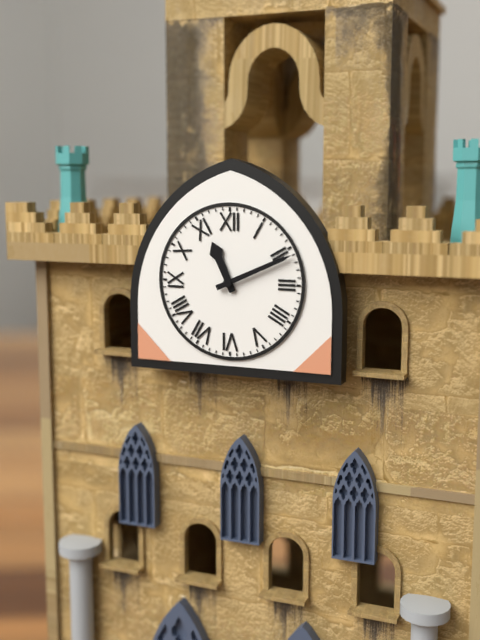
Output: 11h11
